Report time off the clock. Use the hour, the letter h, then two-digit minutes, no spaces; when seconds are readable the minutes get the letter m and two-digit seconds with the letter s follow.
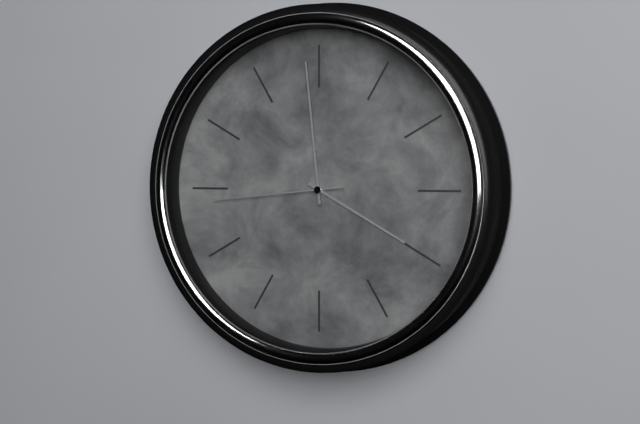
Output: 3h59m44s
